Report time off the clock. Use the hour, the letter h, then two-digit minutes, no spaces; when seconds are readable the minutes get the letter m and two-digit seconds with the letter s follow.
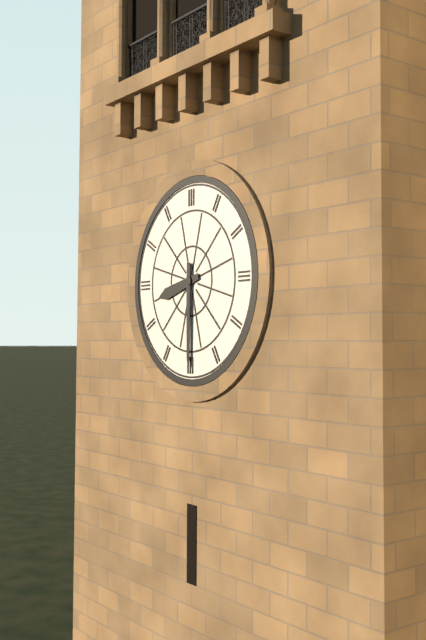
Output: 8h30
